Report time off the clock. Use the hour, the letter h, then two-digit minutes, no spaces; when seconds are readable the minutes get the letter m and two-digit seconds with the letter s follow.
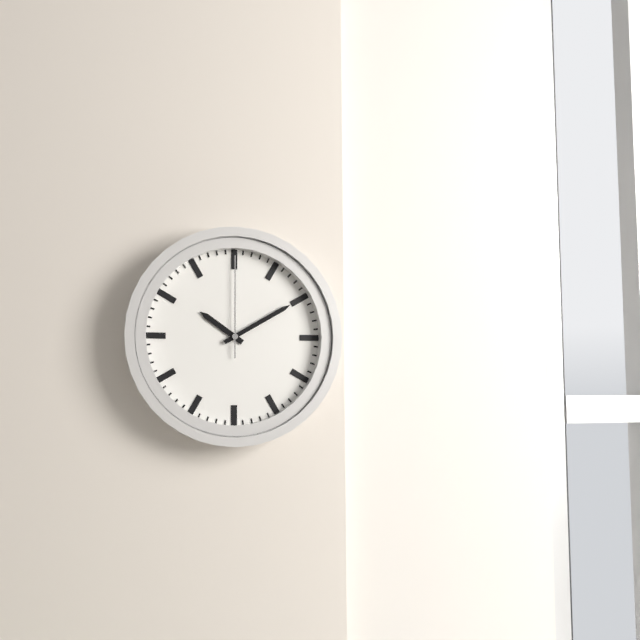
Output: 10h10m00s
